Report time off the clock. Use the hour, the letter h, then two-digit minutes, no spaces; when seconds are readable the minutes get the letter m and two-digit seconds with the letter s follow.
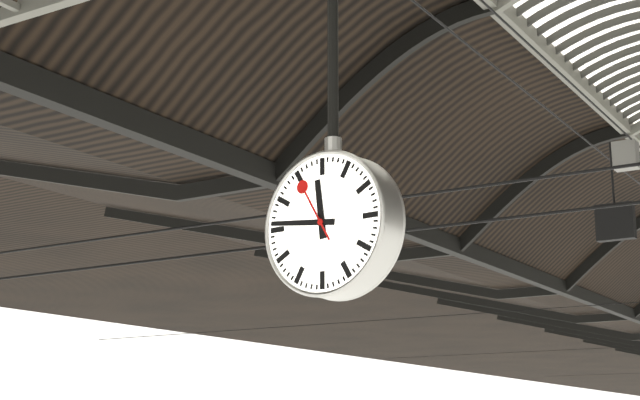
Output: 11h46m55s
